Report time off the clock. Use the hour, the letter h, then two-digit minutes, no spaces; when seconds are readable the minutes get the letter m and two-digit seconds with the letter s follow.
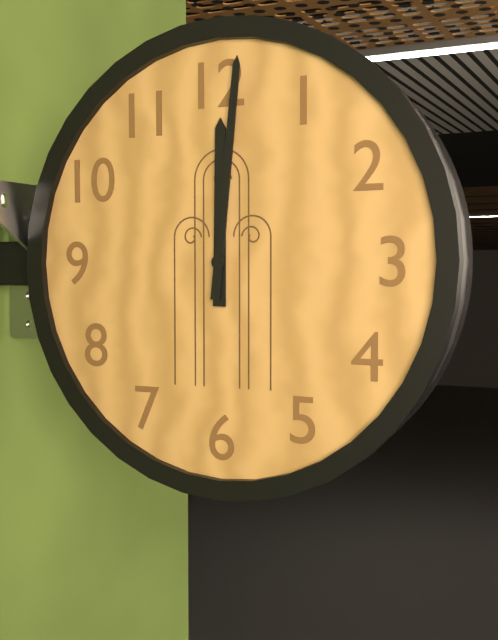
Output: 12h01
